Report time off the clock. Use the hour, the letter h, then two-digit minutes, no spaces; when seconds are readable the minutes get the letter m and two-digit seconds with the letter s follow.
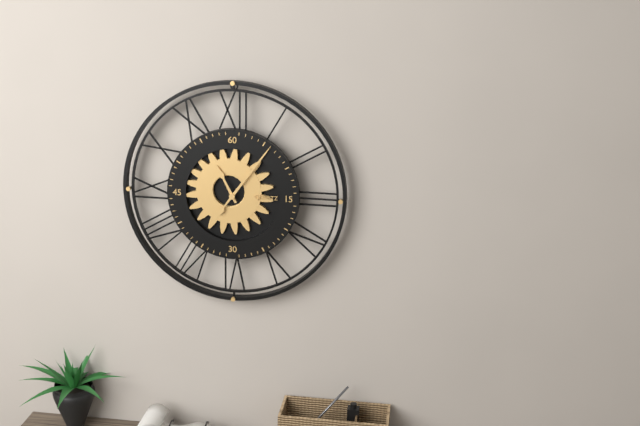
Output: 11h06
